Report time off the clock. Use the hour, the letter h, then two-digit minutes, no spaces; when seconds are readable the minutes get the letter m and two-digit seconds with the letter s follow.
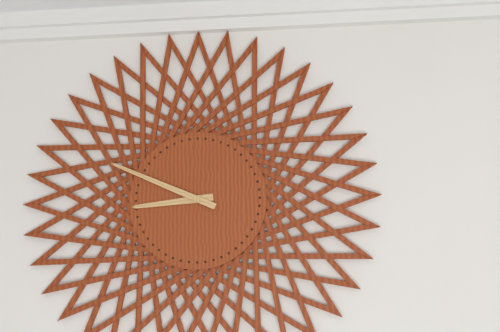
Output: 8h49
